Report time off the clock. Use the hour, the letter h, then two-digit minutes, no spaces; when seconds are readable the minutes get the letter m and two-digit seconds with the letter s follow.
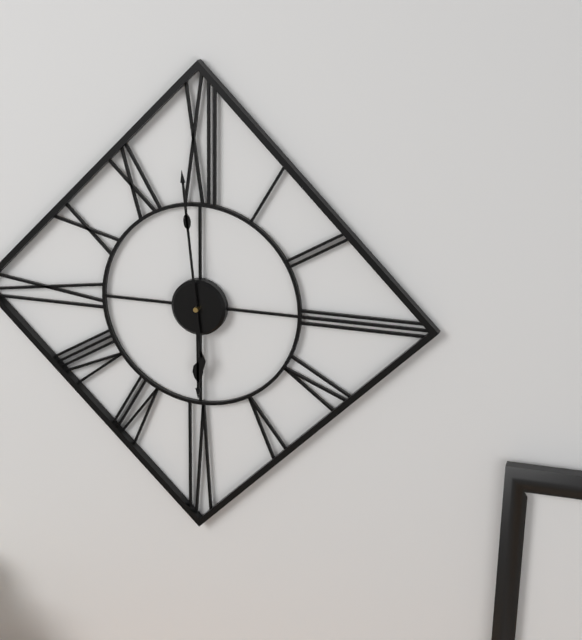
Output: 5h59
